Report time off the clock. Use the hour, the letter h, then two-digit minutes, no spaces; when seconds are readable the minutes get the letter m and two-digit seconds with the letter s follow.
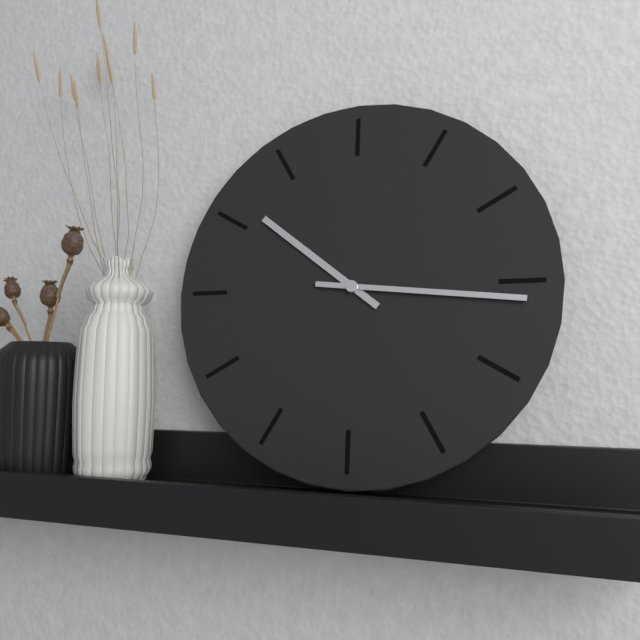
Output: 10h16
